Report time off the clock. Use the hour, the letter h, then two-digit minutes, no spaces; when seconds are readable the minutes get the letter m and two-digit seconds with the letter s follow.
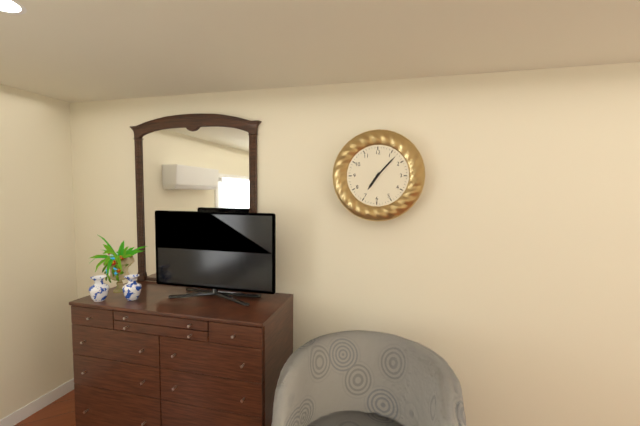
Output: 7h07
